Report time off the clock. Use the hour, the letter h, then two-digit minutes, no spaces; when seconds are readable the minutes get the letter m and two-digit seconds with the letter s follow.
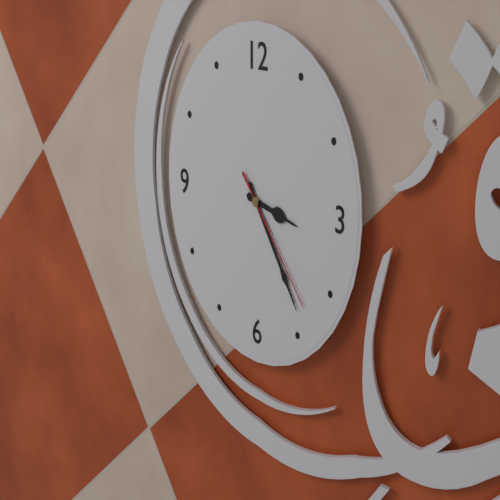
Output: 3h24m23s
